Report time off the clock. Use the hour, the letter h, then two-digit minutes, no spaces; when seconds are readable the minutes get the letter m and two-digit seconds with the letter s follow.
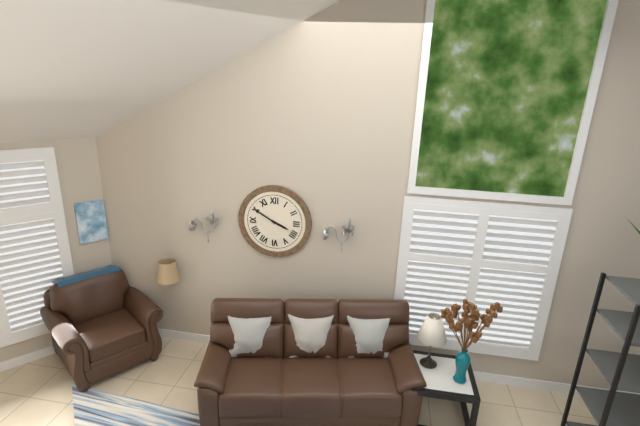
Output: 3h50
